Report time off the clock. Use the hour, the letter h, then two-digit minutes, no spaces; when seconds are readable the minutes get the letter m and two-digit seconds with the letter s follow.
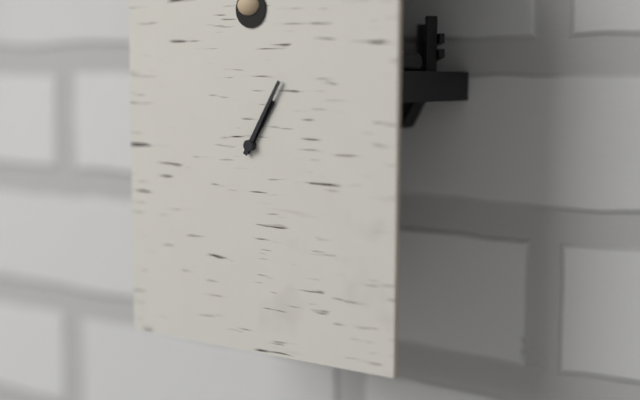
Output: 1h05
